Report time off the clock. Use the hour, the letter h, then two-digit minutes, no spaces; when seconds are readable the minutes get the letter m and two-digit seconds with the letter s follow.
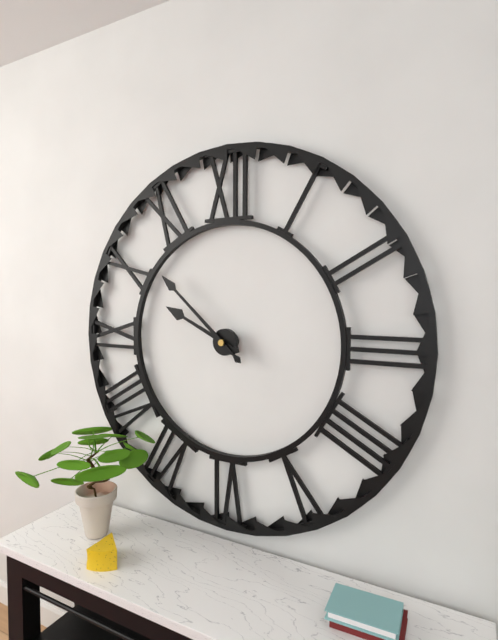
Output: 9h52
